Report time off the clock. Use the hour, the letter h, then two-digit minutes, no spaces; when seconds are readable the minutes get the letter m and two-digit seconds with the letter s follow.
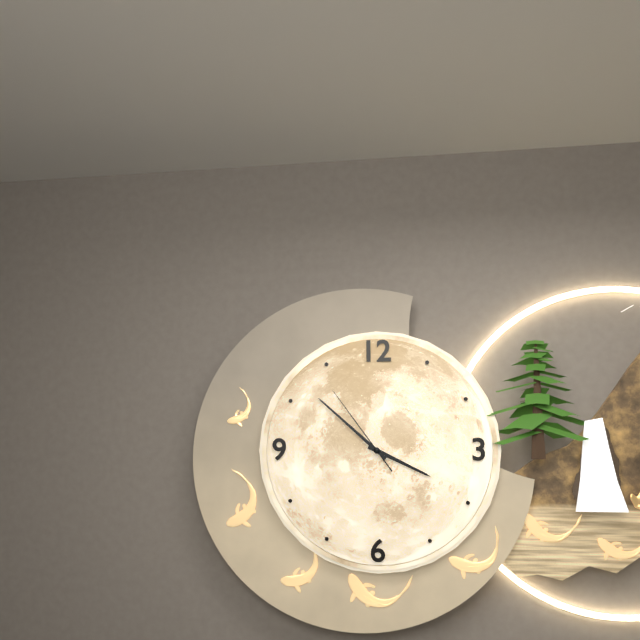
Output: 3h52m54s
